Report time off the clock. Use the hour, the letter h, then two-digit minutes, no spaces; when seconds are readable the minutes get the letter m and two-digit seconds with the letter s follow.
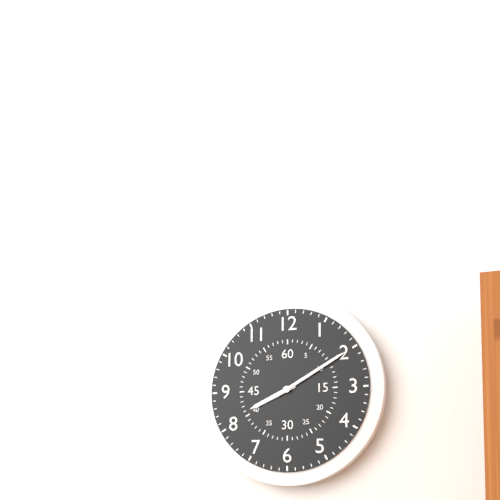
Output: 8h10
